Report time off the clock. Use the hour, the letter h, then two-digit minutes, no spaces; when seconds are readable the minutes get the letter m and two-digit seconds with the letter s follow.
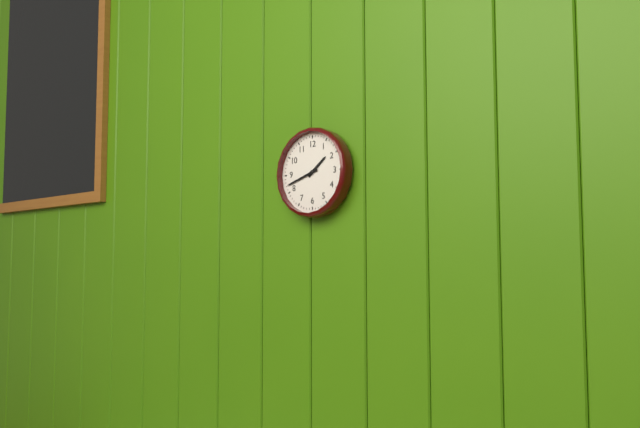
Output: 1h42
